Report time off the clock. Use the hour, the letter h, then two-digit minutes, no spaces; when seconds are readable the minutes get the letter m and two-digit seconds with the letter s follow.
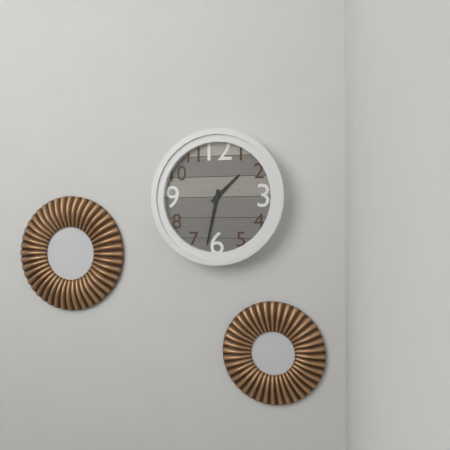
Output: 1h32
